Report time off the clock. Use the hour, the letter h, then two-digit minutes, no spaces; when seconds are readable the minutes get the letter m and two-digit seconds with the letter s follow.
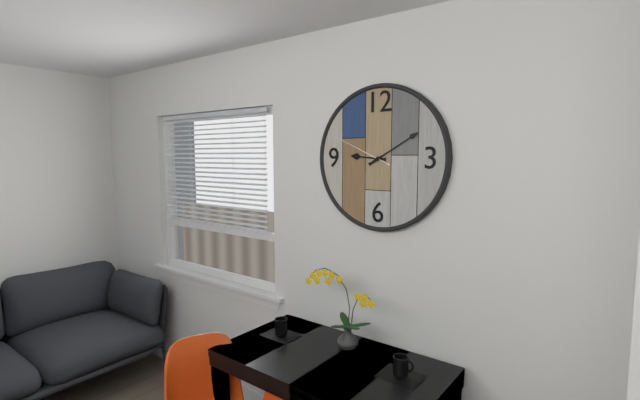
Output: 9h10m49s
